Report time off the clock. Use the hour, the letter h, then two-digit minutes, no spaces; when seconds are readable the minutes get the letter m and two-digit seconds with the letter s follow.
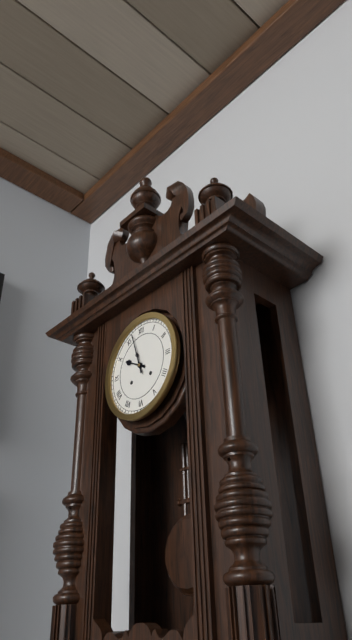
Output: 9h57
